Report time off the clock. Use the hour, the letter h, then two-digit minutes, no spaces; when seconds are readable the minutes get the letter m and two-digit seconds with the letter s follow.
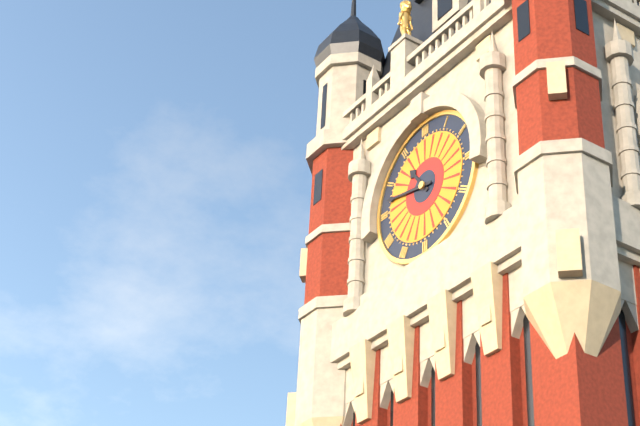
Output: 10h47
